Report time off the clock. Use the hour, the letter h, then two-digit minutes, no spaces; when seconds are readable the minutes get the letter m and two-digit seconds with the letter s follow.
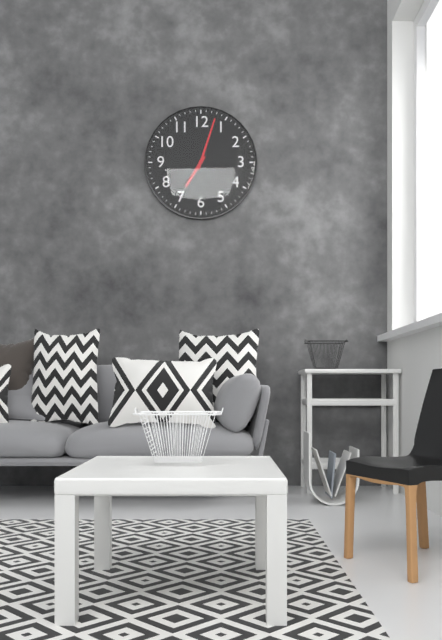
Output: 7h03
